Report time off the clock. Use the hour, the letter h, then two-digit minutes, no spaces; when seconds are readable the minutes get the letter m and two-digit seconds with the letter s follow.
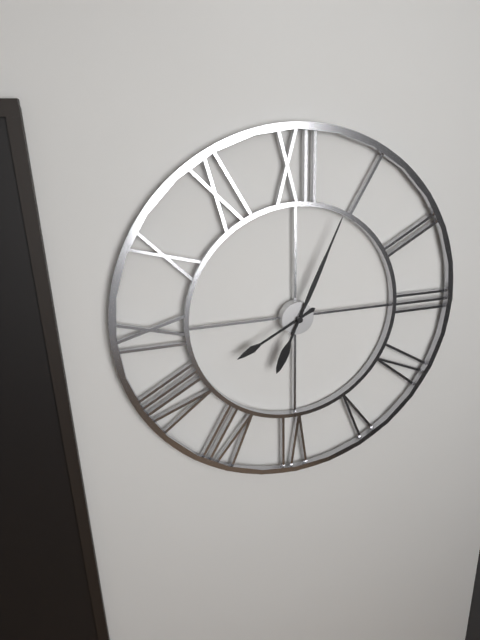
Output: 8h04
